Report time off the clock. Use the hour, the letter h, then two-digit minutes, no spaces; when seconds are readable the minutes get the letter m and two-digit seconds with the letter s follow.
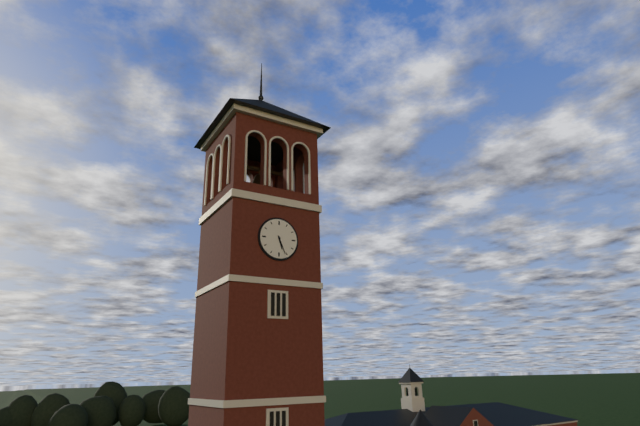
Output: 5h26
